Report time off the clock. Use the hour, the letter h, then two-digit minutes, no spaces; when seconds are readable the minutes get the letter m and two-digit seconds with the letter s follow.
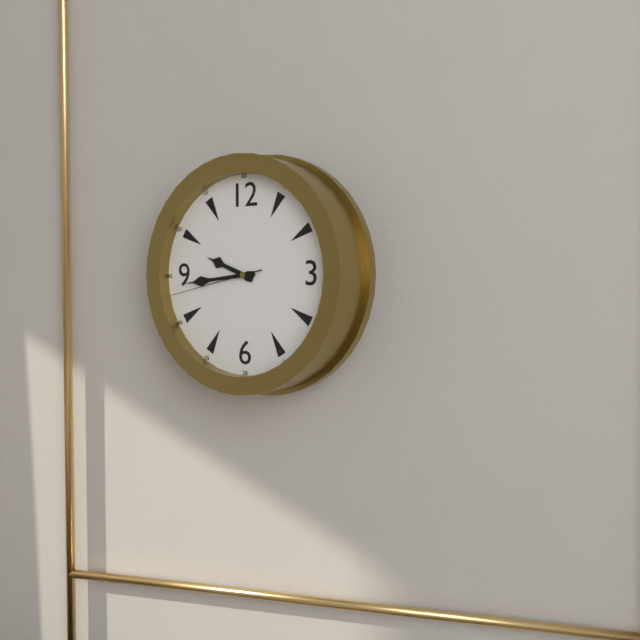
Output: 9h44m43s
